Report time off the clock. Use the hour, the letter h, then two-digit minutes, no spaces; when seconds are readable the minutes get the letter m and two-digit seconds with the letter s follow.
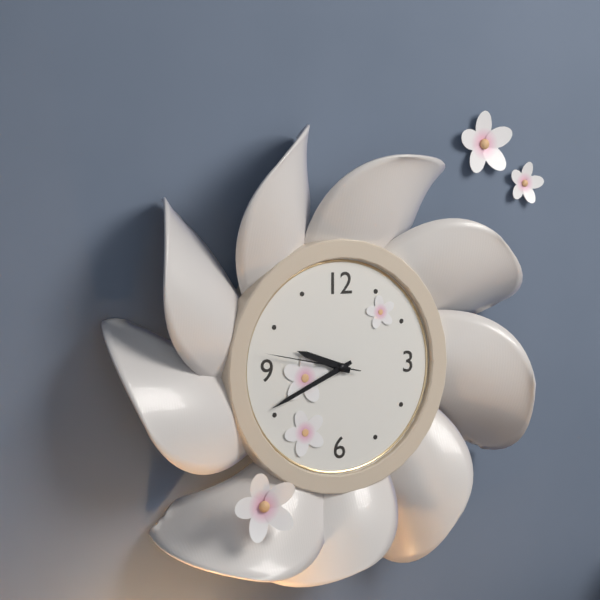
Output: 9h41m47s
